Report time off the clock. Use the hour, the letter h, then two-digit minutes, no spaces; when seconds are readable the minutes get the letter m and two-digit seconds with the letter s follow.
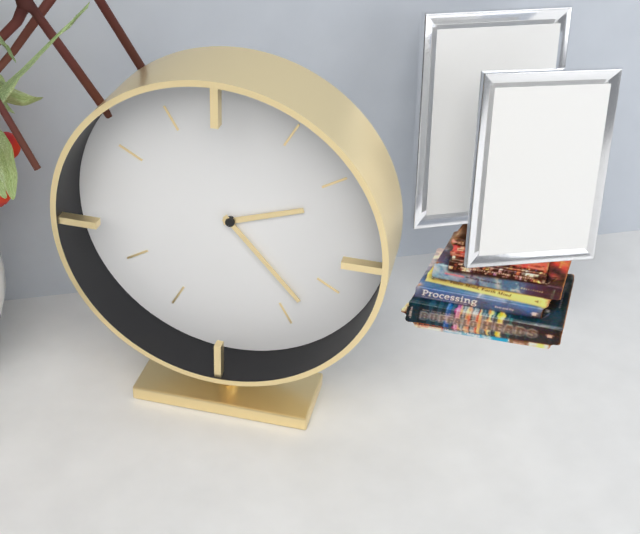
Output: 2h23
